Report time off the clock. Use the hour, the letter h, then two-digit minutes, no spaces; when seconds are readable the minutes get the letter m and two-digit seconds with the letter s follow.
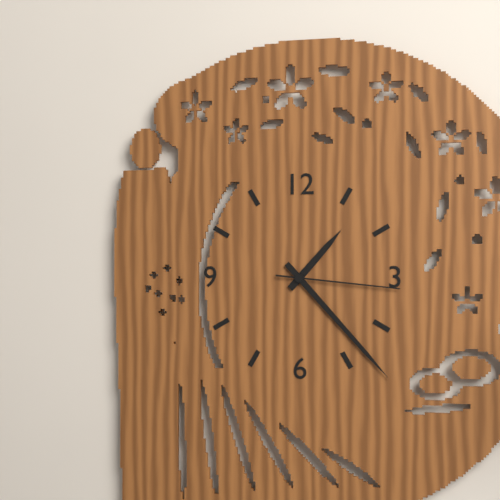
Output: 1h23m16s
